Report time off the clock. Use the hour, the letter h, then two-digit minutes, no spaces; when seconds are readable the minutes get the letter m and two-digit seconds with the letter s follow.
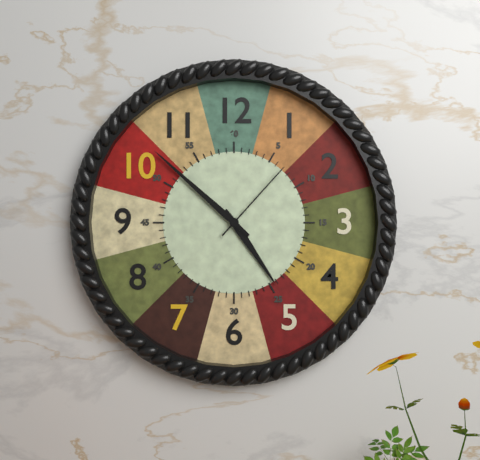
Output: 4h52m07s
